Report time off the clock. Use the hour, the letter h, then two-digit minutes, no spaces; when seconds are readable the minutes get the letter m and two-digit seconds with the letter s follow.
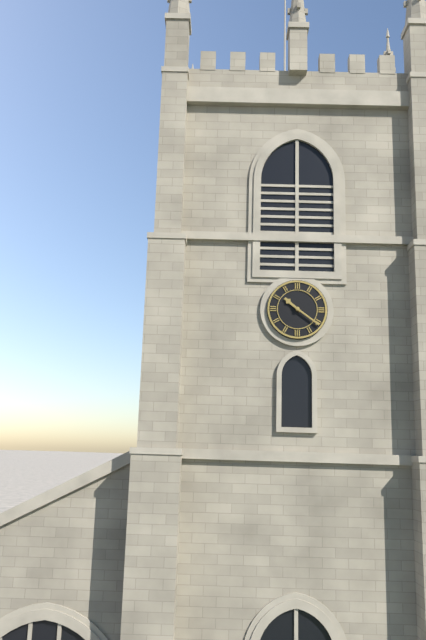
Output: 10h21
